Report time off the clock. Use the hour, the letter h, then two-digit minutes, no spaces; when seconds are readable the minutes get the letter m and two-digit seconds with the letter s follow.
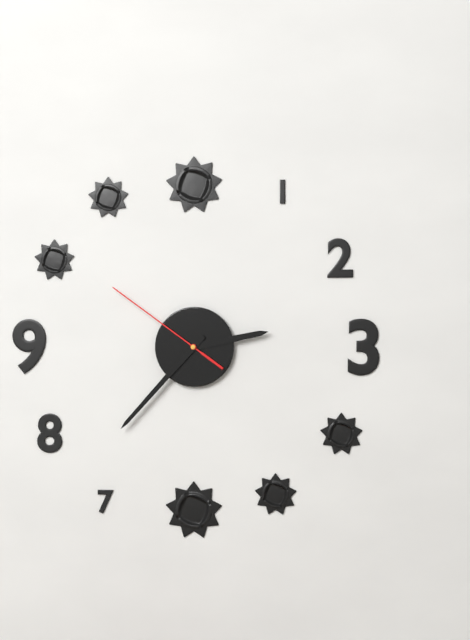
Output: 2h37m51s
